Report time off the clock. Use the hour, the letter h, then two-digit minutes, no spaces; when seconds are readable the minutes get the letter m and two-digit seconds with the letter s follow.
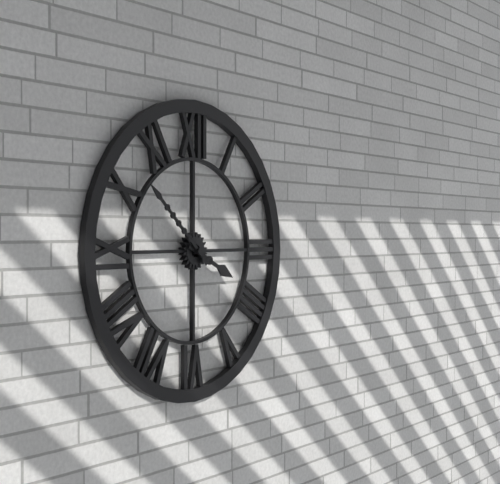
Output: 3h52
